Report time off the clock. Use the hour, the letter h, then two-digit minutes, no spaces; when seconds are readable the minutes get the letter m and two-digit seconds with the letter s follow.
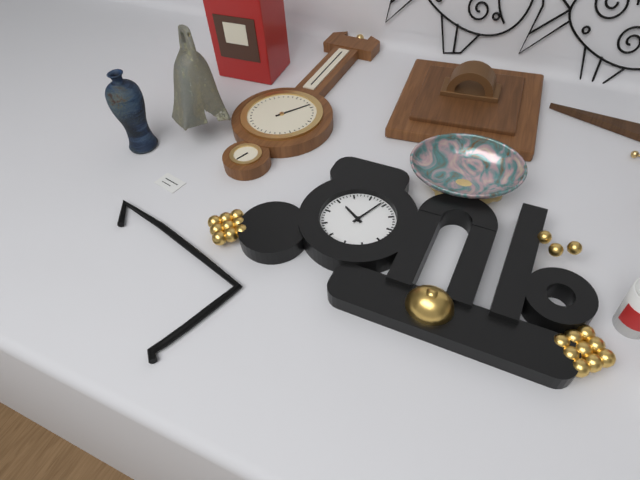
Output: 10h04
